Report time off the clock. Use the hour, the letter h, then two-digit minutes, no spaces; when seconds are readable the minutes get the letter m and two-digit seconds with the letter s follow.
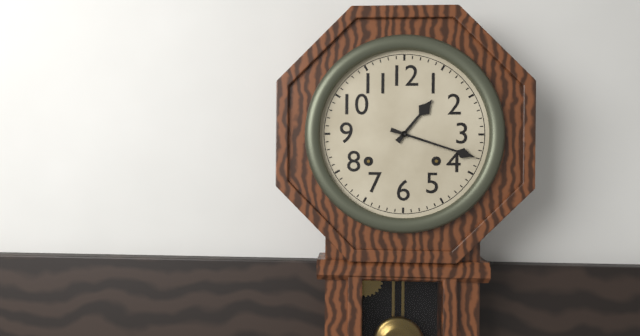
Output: 1h18
